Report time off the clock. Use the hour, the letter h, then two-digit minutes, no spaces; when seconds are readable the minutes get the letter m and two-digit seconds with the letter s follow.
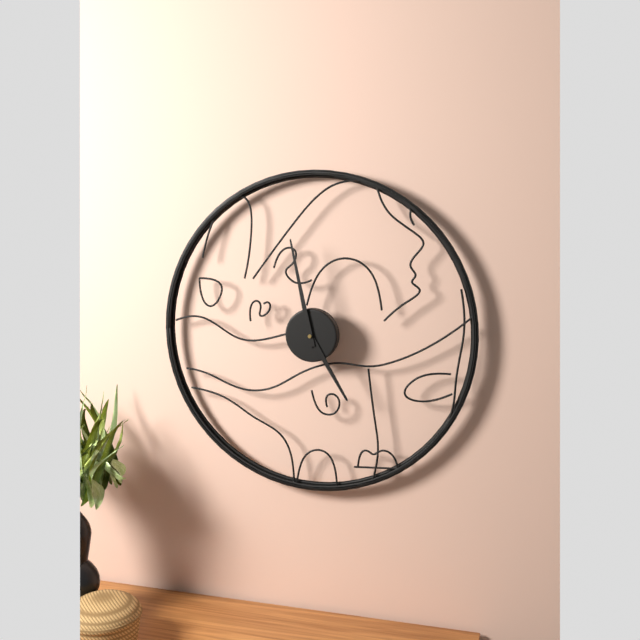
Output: 4h58
